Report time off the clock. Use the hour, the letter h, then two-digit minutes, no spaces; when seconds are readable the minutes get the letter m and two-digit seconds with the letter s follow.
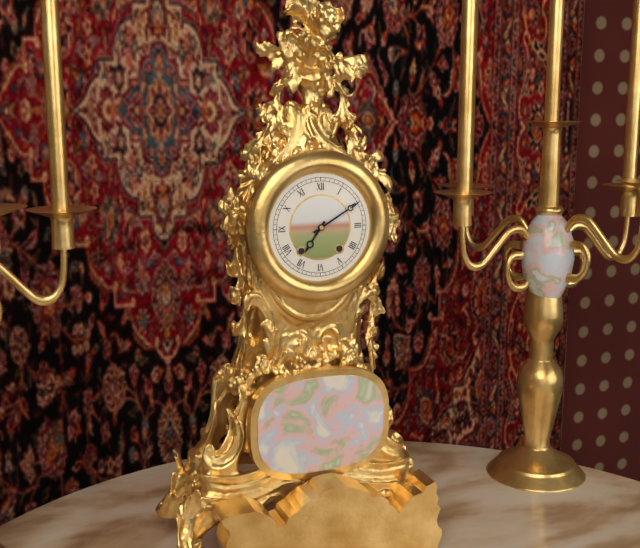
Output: 7h10
